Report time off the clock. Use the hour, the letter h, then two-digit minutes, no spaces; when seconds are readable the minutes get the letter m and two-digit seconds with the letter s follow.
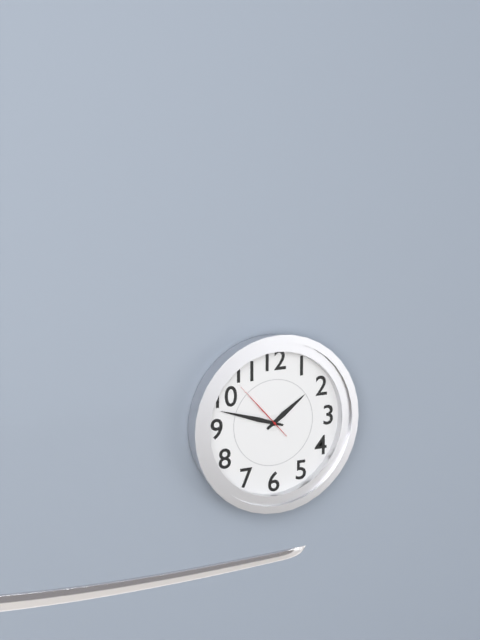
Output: 1h48m53s
